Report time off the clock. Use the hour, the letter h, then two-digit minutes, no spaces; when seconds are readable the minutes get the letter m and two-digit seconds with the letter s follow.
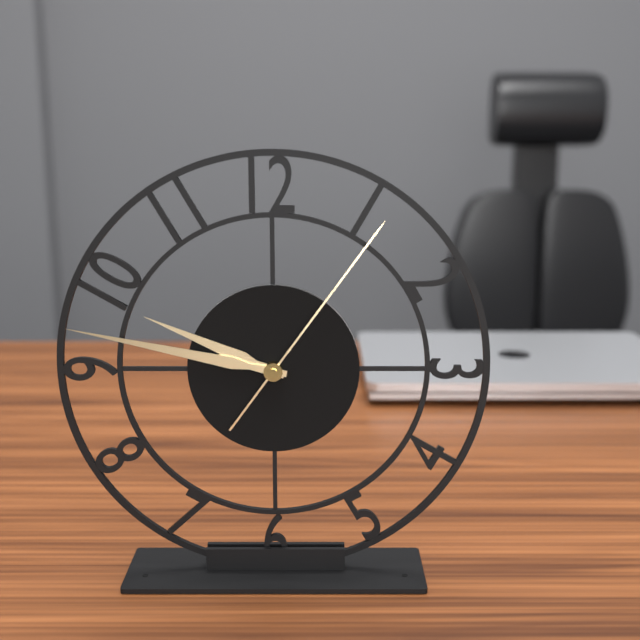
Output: 9h47m06s
